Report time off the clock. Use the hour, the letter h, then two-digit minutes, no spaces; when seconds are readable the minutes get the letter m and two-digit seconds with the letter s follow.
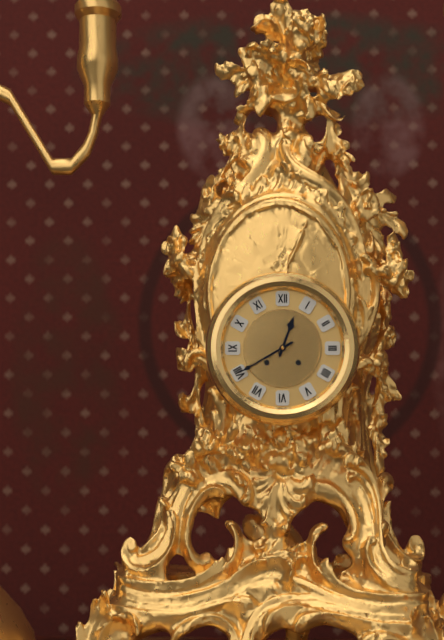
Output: 12h40
